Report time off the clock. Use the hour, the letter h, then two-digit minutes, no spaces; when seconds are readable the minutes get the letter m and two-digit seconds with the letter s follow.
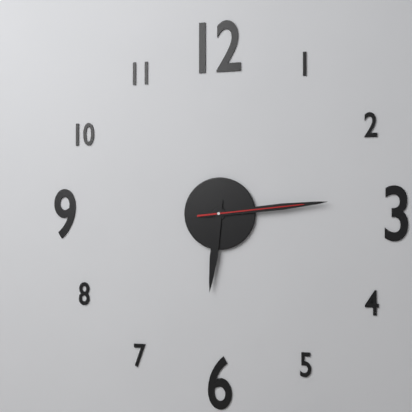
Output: 6h14m14s
